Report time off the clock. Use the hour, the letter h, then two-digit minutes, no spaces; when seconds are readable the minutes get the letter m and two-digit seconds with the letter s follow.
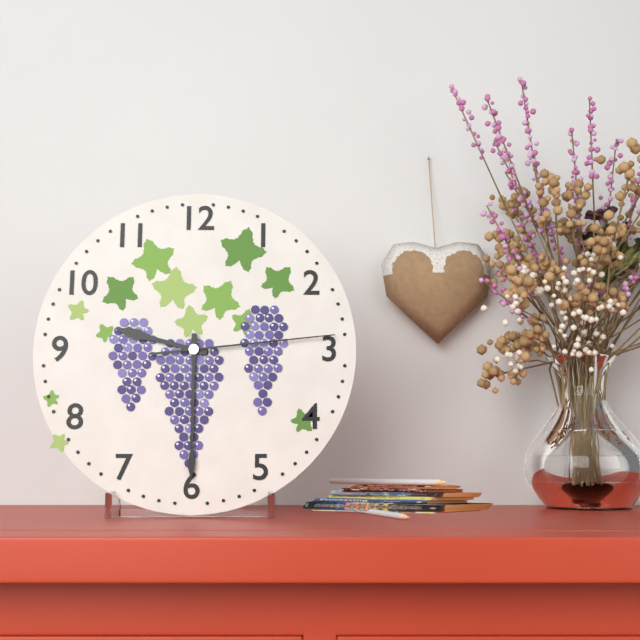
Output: 9h30m14s
